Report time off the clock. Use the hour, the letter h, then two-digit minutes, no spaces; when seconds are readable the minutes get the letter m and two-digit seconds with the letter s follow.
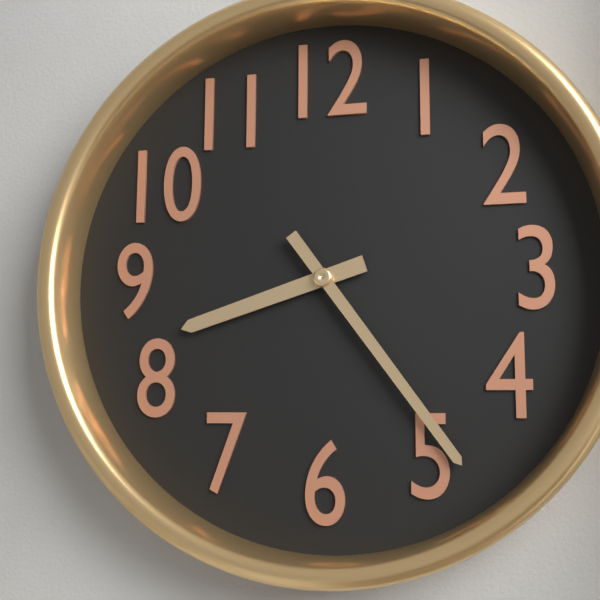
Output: 8h24
